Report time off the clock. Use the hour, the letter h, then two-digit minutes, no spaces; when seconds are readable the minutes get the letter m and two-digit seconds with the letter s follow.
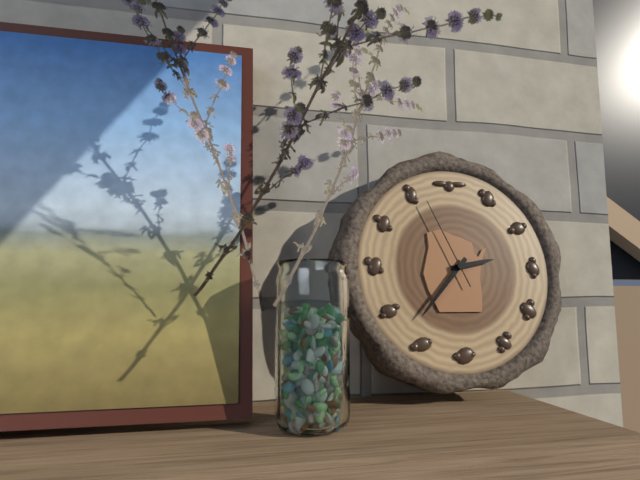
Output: 2h37m56s
